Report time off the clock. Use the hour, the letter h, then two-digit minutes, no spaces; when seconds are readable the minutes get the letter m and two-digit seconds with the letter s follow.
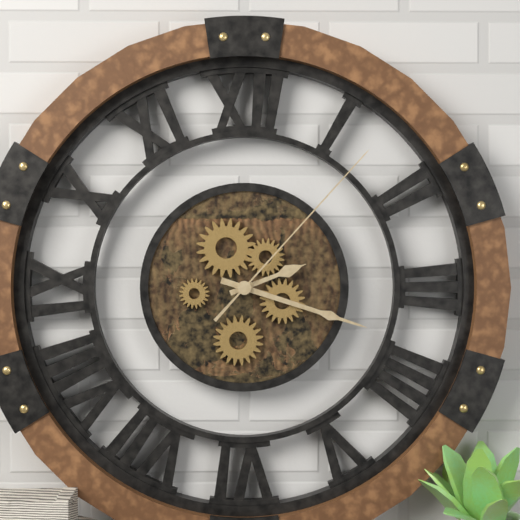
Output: 2h18m07s
